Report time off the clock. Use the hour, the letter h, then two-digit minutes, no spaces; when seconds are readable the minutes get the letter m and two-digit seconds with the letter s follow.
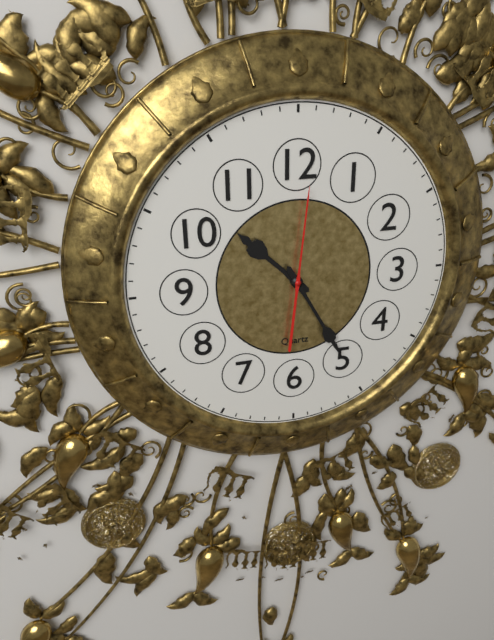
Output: 10h25m01s
